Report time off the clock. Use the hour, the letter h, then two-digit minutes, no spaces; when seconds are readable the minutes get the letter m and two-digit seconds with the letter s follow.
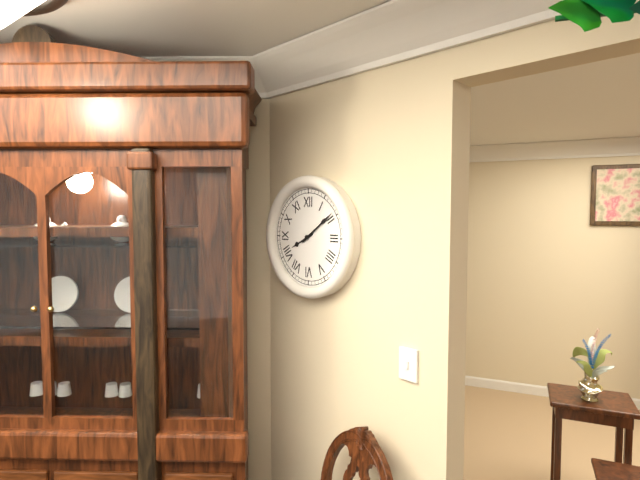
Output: 8h09
